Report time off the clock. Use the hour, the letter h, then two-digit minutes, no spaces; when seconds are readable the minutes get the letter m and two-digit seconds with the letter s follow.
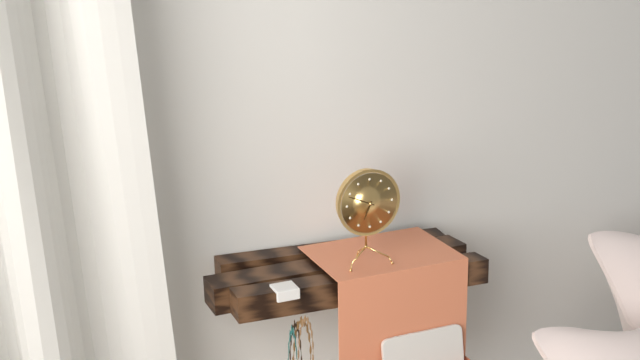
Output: 6h49
